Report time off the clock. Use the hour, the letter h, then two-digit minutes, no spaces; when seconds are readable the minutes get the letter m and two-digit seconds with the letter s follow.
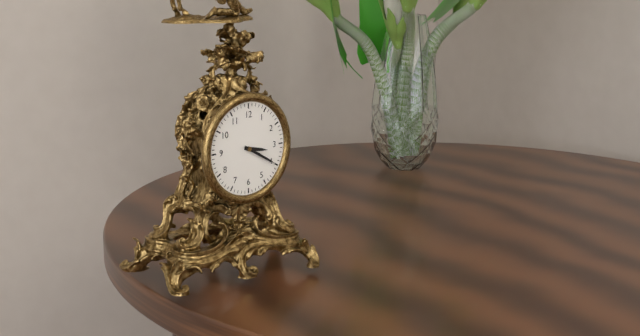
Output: 3h20
